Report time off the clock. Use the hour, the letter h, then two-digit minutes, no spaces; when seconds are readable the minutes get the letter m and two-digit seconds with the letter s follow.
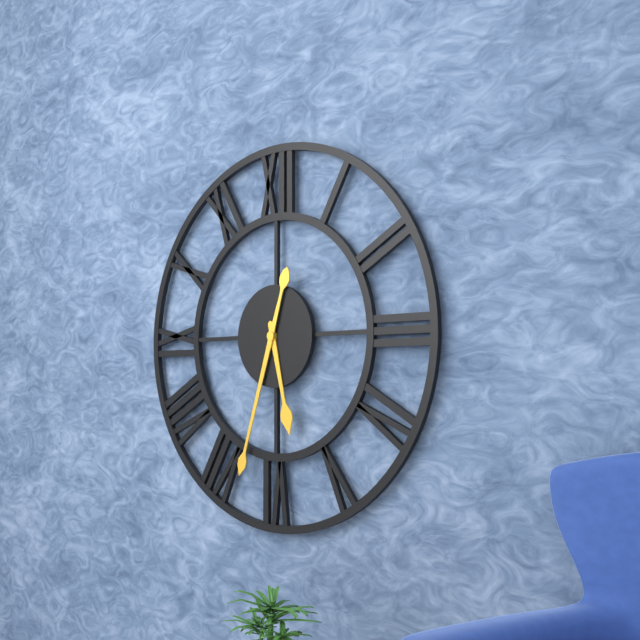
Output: 5h33
